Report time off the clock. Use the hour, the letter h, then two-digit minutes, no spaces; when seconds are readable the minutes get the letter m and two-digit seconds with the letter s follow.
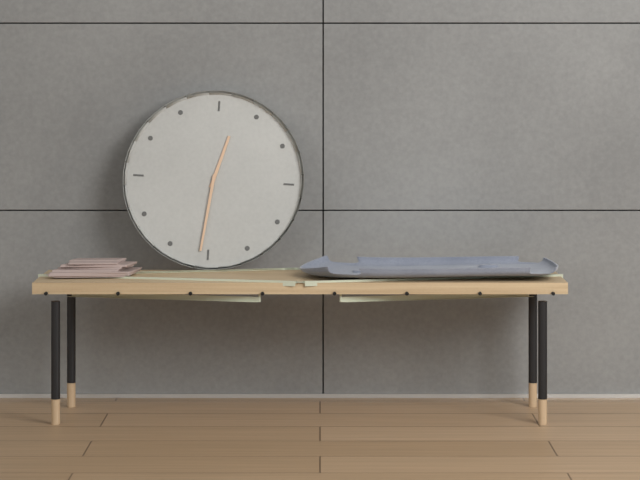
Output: 12h31
